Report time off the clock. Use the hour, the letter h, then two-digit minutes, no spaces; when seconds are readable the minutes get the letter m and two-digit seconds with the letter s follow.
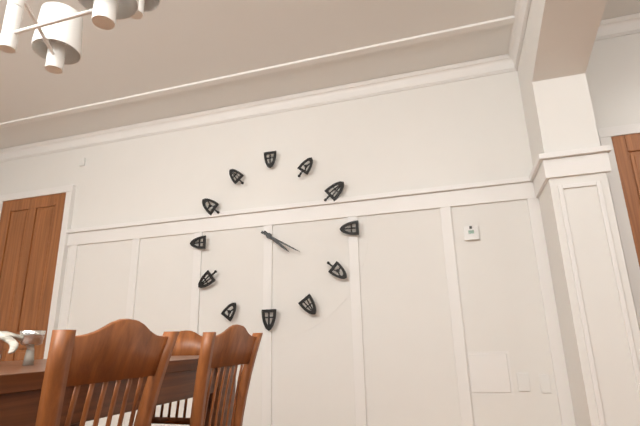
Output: 4h20
